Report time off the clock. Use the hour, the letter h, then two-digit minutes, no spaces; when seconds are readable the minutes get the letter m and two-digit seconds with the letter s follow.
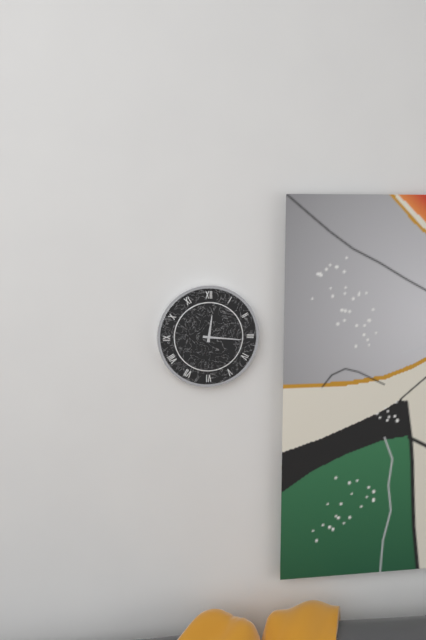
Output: 12h16
